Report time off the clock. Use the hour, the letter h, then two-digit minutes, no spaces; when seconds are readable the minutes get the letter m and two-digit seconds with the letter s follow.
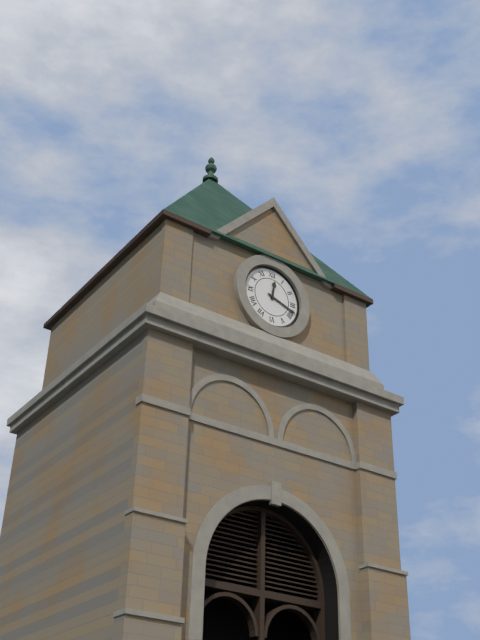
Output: 12h18
